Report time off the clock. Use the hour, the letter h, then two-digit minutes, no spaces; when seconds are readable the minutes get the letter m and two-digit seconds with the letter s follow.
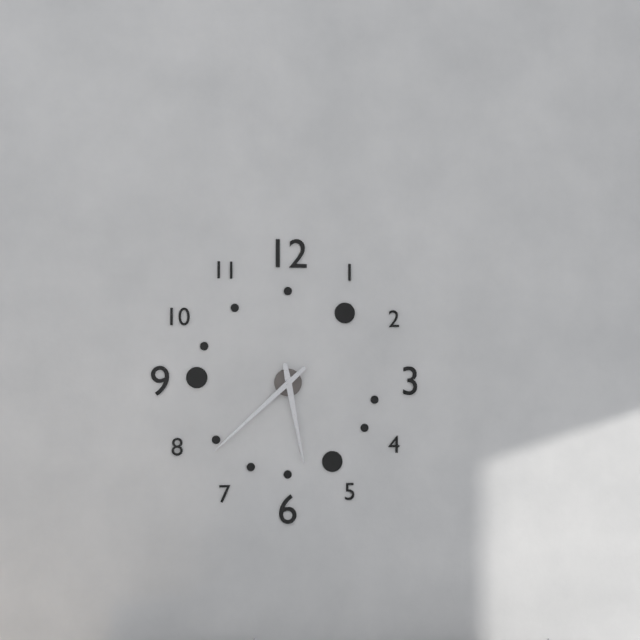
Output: 5h38
